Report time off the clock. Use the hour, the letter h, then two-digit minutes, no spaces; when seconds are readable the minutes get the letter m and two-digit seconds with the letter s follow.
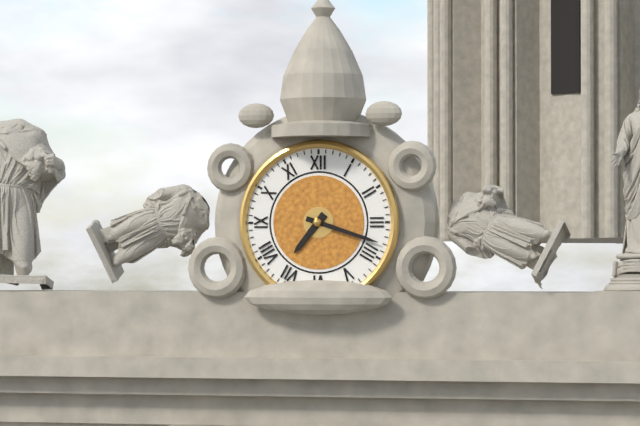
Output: 7h18
